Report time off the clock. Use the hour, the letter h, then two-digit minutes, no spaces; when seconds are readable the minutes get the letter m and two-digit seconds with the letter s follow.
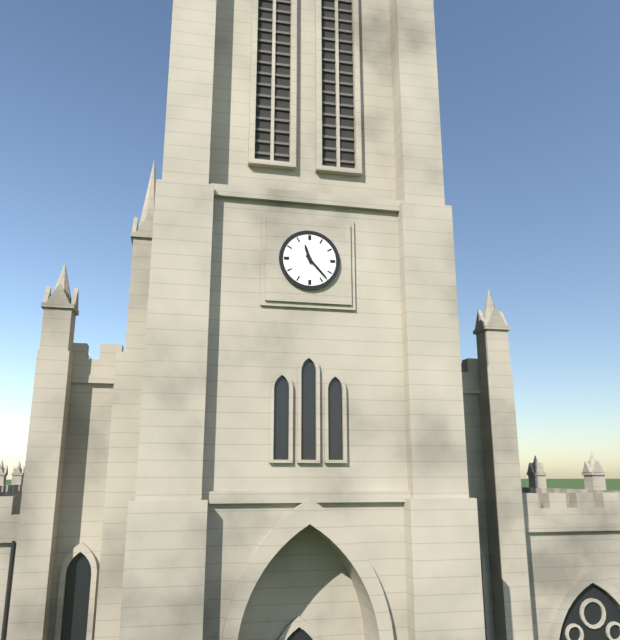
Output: 11h23
